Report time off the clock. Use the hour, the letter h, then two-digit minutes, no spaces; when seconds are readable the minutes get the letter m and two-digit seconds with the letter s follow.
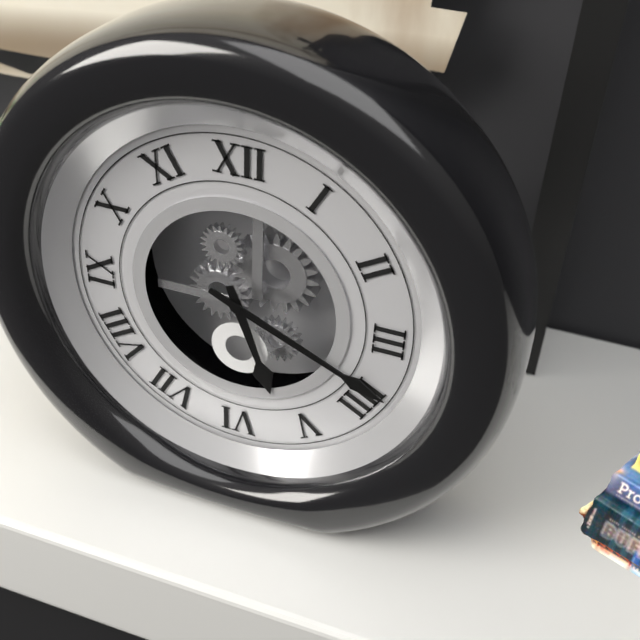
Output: 5h19
